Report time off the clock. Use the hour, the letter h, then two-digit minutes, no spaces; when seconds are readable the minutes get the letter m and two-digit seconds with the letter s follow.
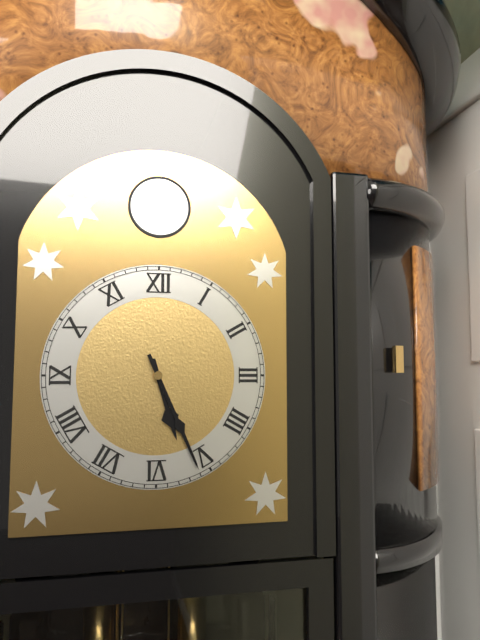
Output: 5h26
